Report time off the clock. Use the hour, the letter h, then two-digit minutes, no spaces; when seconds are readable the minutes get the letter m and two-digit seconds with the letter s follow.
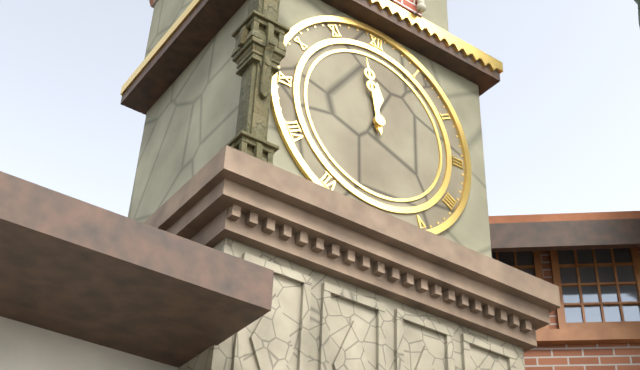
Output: 11h58
